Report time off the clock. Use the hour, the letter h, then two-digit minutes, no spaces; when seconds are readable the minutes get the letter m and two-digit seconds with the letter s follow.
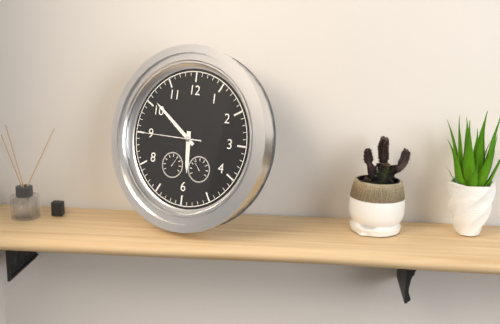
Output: 5h51m45s
